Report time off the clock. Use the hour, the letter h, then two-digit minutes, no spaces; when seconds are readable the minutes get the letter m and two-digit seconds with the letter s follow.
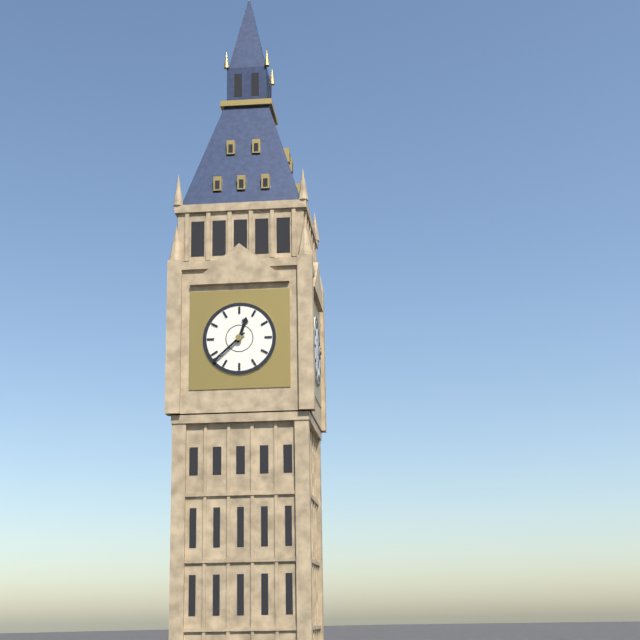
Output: 12h38
